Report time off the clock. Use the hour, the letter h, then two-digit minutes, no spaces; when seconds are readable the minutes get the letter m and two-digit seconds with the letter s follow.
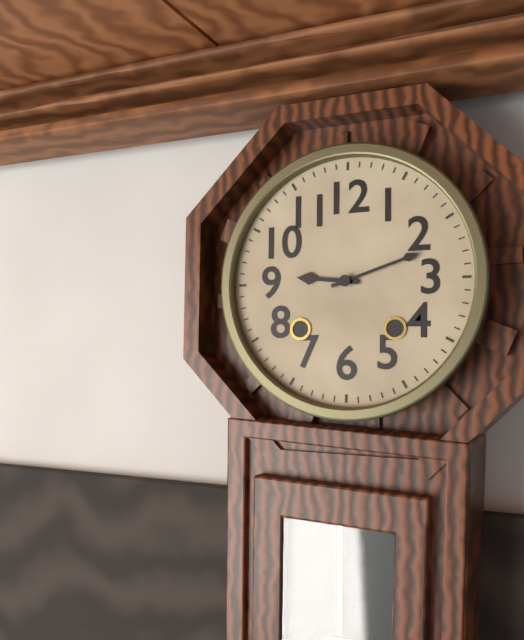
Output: 9h12
